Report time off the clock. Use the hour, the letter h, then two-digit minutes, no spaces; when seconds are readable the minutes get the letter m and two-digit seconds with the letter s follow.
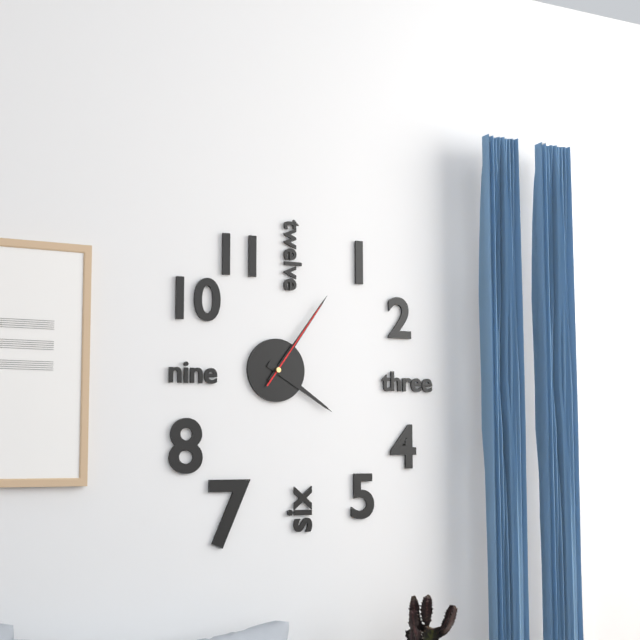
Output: 4h06m06s
